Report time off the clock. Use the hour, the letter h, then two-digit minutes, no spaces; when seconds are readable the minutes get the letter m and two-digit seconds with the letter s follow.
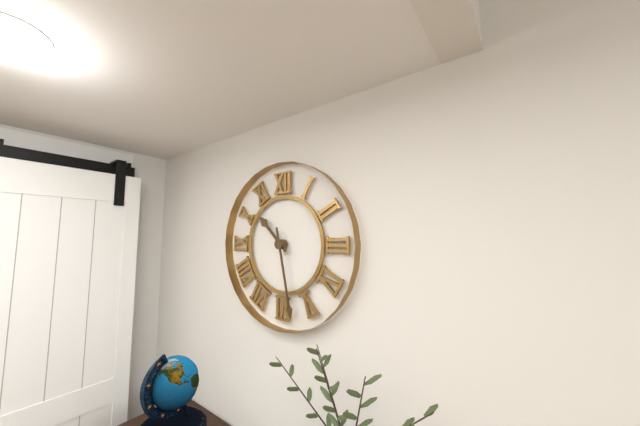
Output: 10h28
